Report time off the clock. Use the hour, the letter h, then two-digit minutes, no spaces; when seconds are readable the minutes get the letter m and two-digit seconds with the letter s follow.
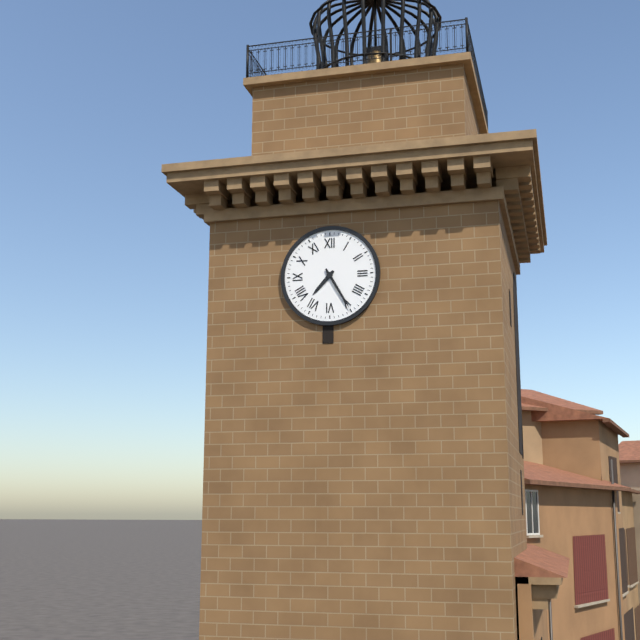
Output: 7h25
